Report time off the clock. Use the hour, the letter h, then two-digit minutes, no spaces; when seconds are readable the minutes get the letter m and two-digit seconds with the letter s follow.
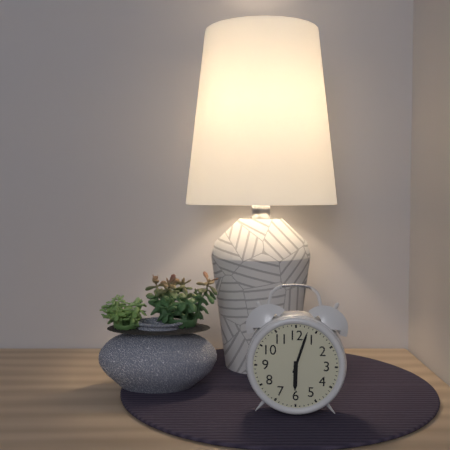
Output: 6h03
